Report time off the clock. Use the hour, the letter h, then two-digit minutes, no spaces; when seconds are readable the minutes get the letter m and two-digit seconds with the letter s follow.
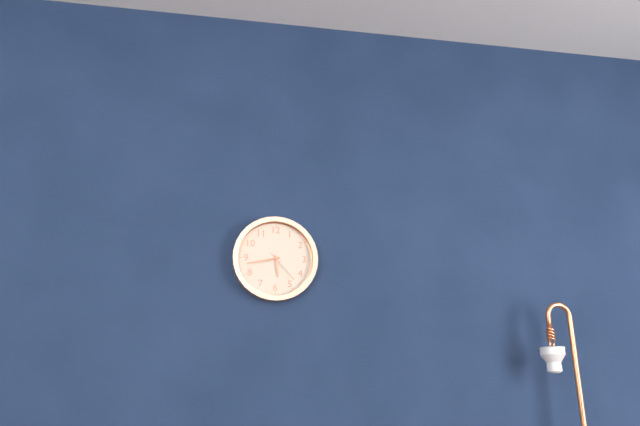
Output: 5h43
